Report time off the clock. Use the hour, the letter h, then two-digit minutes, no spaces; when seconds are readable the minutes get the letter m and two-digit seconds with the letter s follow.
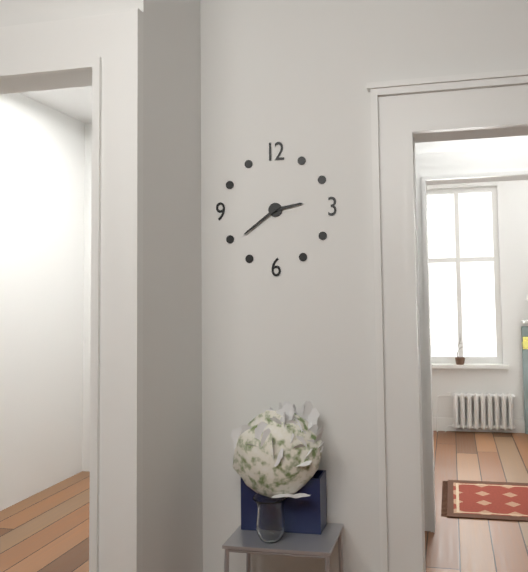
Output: 2h39
